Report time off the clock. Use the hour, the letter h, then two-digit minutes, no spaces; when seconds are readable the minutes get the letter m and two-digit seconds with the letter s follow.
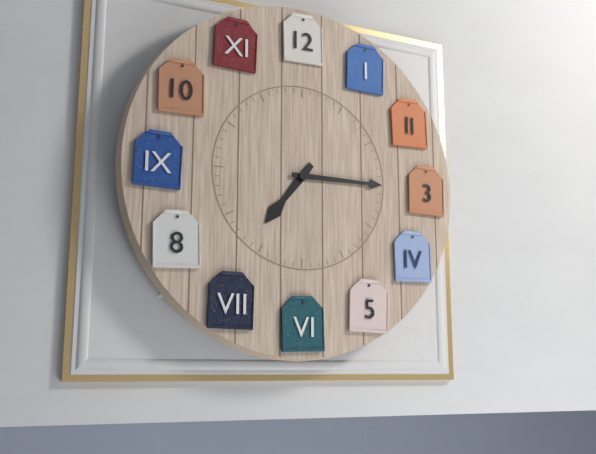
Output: 7h15
